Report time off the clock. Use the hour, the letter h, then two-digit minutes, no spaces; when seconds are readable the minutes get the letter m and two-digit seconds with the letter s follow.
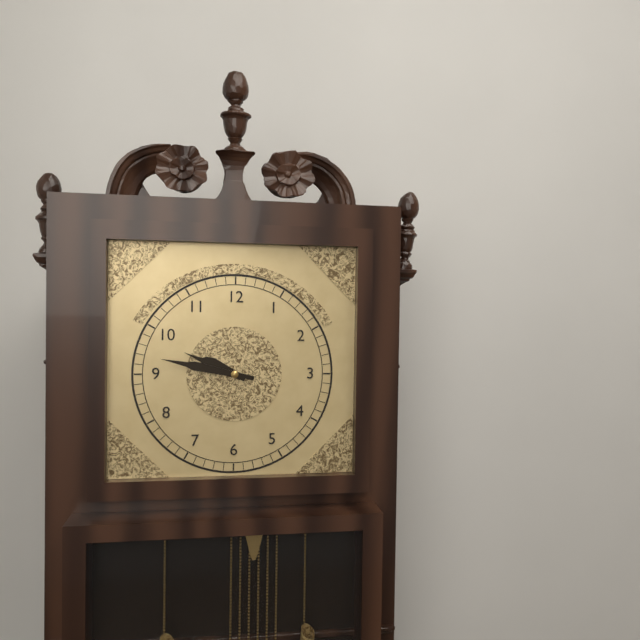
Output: 9h47
